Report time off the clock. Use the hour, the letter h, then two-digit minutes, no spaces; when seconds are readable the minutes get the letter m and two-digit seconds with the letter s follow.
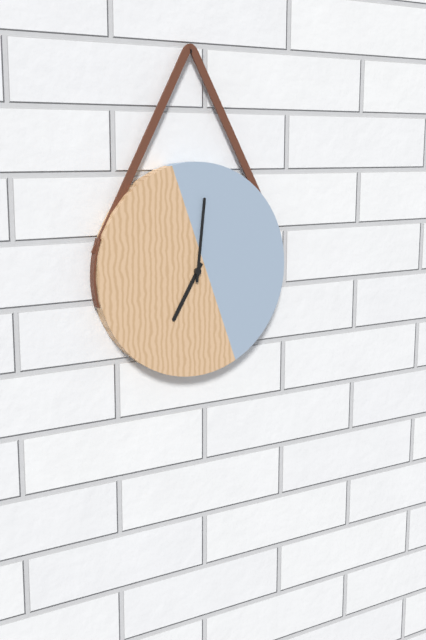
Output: 7h01
